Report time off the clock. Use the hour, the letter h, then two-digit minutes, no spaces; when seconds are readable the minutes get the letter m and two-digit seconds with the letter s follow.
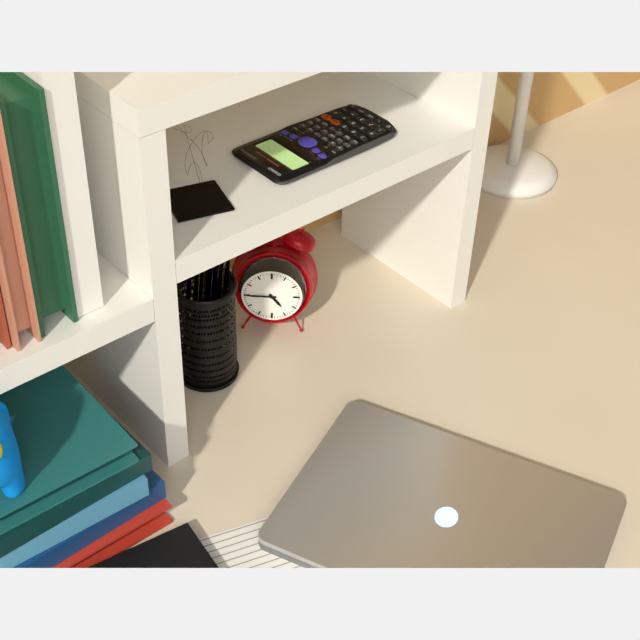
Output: 4h45
